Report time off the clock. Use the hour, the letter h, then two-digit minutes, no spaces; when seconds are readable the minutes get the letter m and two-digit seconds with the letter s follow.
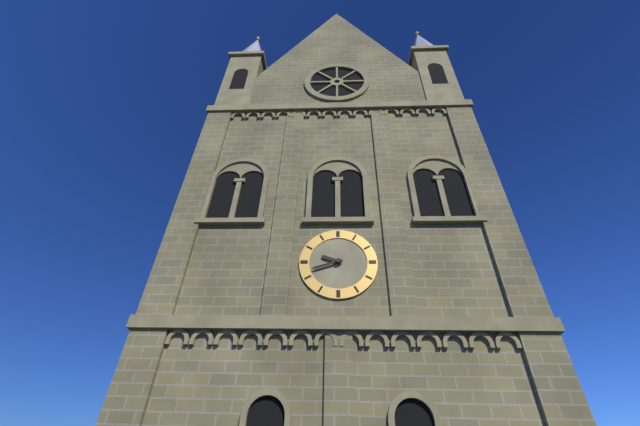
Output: 9h42
